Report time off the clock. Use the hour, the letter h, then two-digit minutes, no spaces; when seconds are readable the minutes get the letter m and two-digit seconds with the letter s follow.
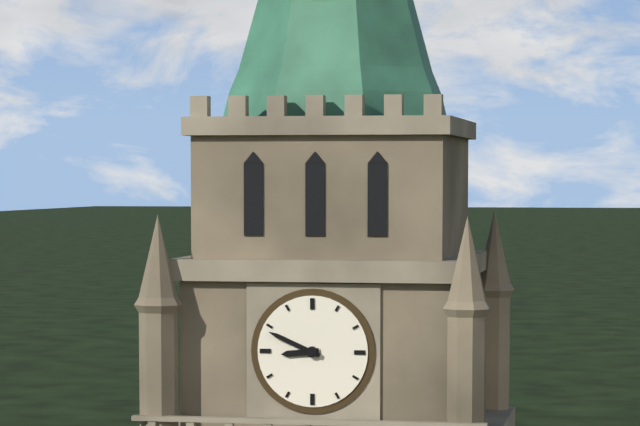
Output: 8h49
